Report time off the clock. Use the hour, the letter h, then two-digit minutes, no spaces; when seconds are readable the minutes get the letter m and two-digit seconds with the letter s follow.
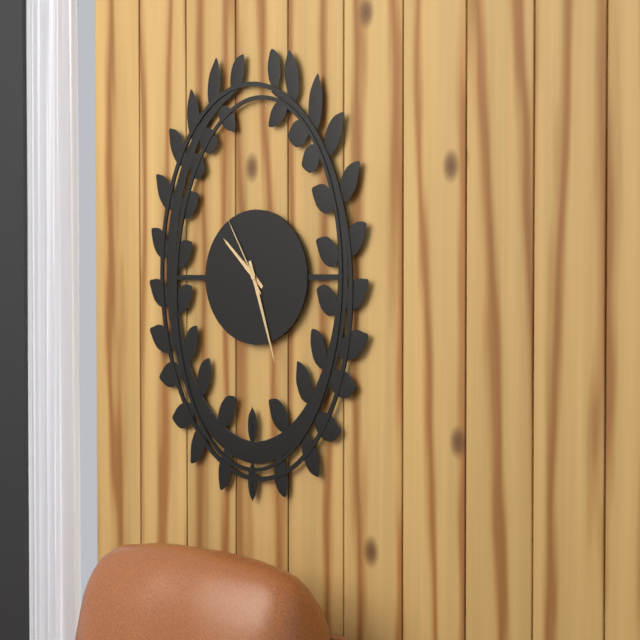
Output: 10h27m55s
